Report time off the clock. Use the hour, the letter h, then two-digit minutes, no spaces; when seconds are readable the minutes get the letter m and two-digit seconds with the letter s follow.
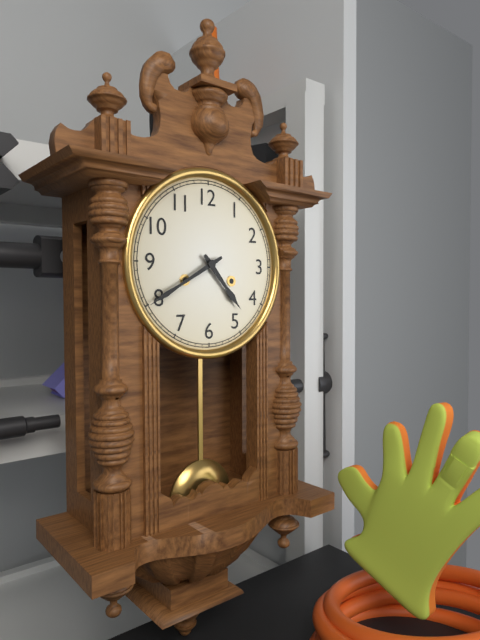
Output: 4h40
